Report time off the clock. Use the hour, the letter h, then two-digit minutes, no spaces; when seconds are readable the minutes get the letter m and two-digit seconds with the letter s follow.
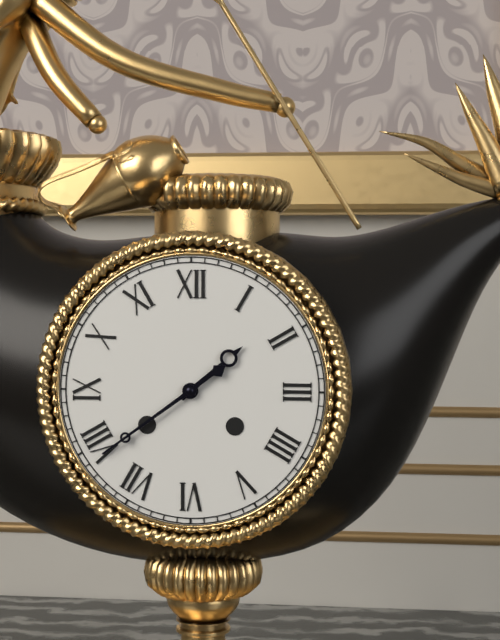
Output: 1h39
